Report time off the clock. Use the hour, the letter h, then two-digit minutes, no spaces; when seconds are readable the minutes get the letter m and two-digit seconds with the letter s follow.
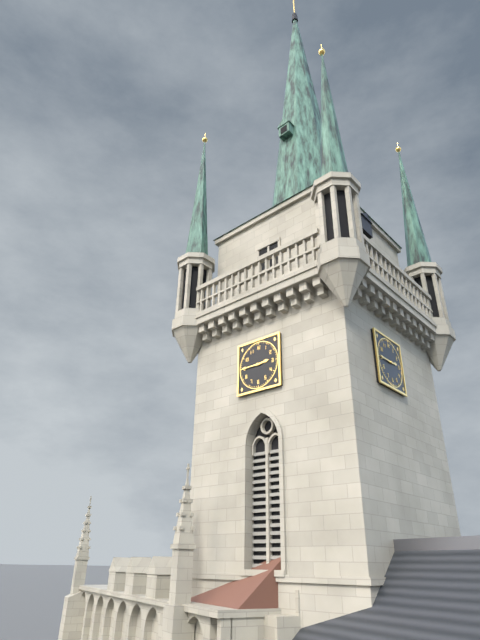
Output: 2h45
